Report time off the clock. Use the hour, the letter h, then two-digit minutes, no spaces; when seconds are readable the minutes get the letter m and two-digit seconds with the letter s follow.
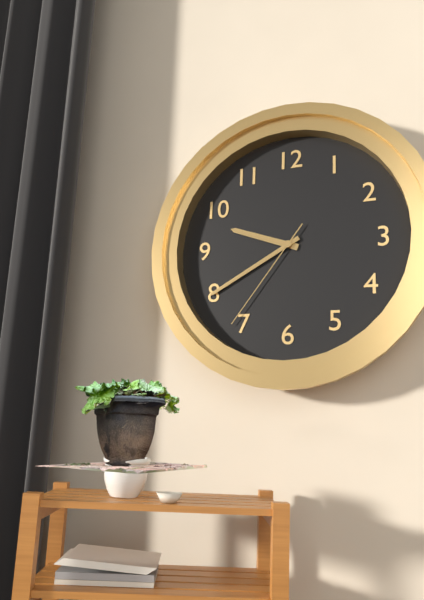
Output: 9h40m36s
